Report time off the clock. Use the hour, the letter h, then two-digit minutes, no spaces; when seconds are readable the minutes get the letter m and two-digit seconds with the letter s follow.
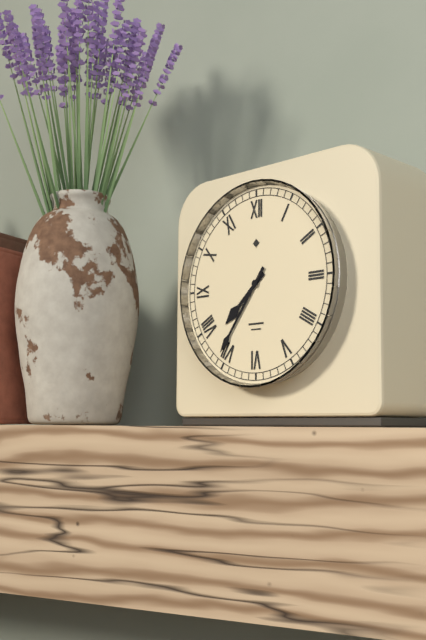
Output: 7h36
